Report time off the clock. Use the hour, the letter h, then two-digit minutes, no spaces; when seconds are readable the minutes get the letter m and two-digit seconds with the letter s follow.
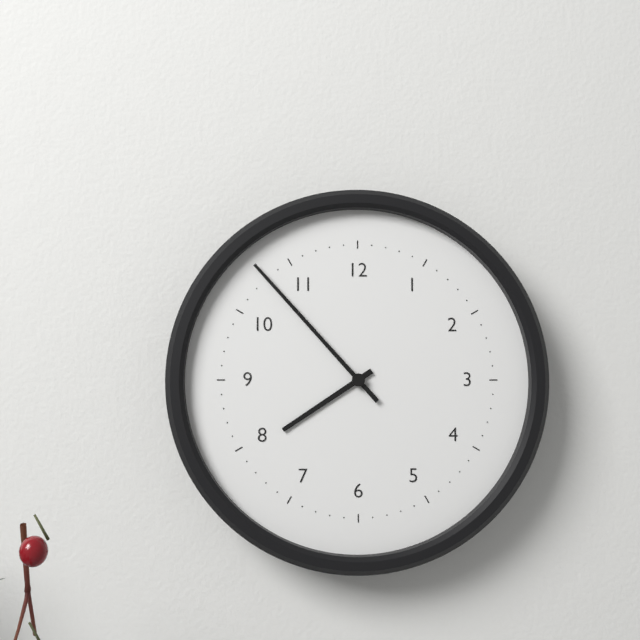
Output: 7h53
